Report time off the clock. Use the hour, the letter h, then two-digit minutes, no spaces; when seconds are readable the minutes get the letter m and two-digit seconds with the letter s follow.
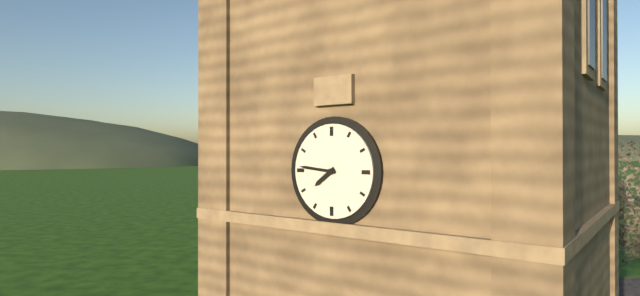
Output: 7h46
